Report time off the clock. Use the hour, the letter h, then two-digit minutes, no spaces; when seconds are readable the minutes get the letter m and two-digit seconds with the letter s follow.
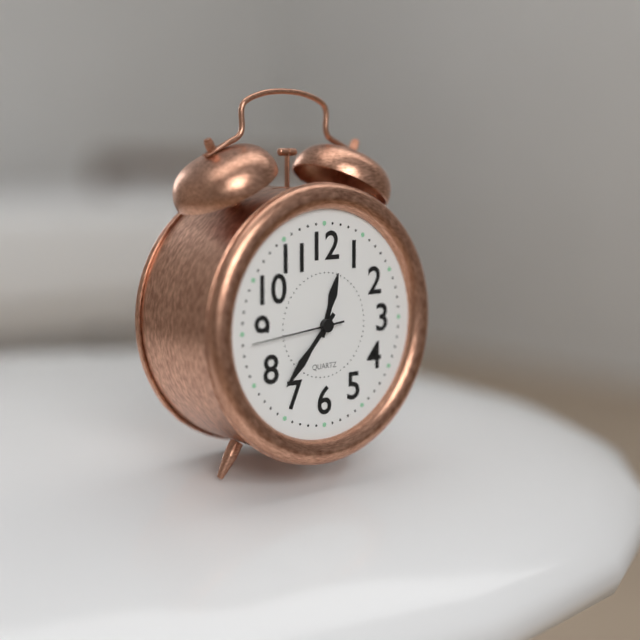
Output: 12h37m44s
